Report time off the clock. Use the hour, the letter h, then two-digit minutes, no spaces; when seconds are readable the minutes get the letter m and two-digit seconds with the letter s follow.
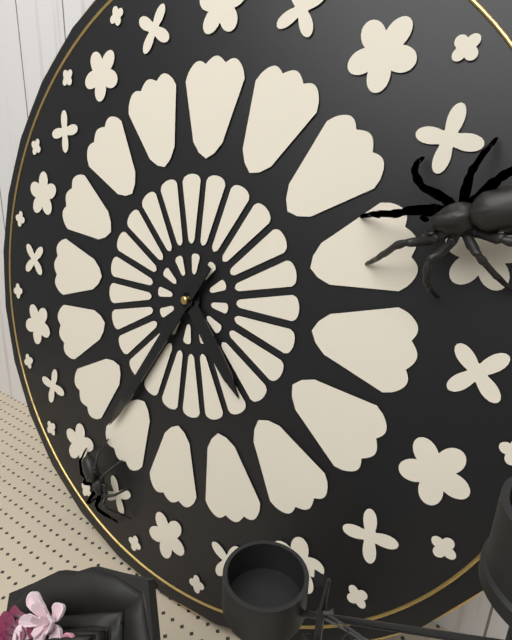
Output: 4h35
